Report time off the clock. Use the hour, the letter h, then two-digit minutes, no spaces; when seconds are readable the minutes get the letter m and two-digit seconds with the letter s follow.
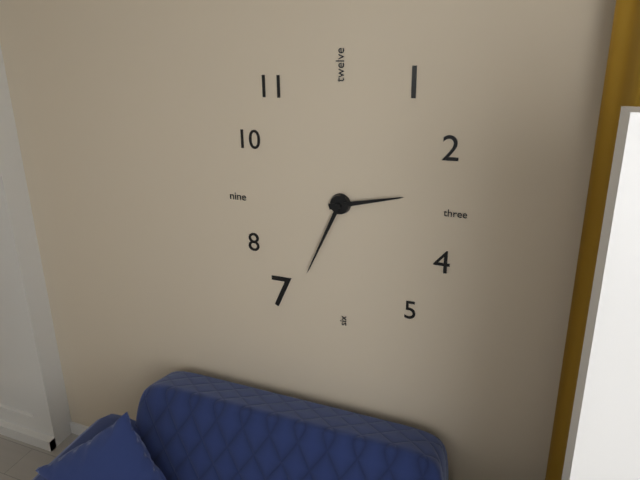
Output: 2h34
